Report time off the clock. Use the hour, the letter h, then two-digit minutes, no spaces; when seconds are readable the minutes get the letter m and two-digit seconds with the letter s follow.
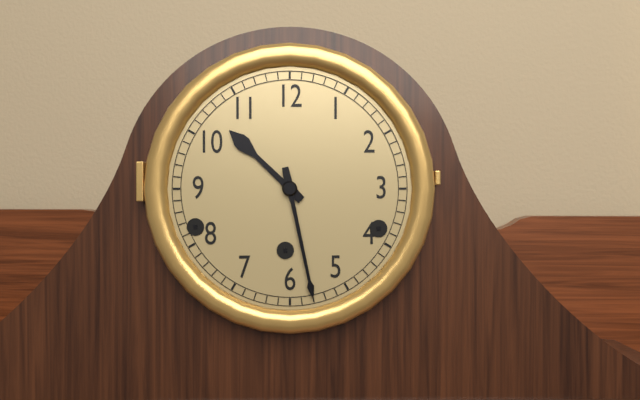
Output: 10h28
